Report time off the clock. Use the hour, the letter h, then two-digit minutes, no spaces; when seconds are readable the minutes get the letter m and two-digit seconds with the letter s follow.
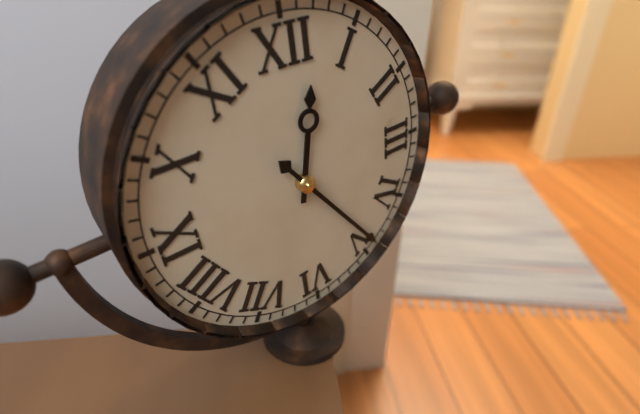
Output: 12h24
